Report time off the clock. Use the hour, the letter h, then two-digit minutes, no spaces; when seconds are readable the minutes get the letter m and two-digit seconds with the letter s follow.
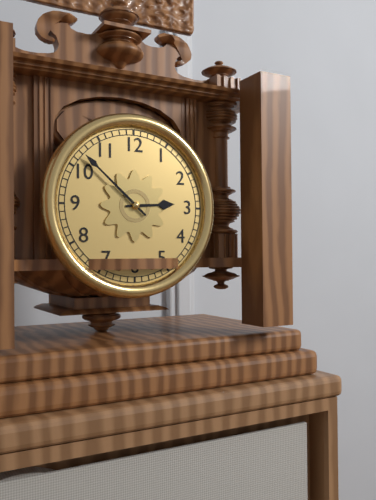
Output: 2h52
